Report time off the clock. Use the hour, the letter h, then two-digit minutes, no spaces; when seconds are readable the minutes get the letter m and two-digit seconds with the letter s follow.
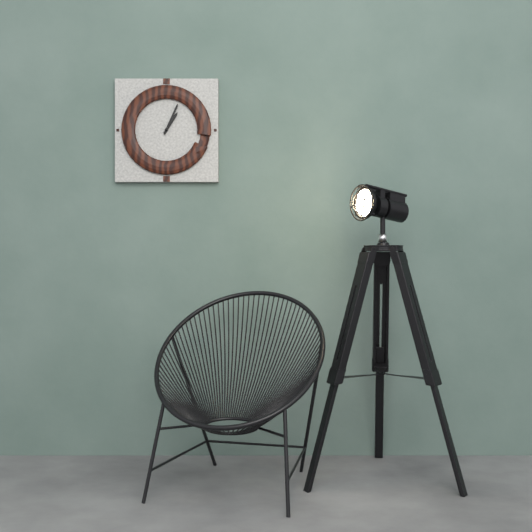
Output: 1h04
